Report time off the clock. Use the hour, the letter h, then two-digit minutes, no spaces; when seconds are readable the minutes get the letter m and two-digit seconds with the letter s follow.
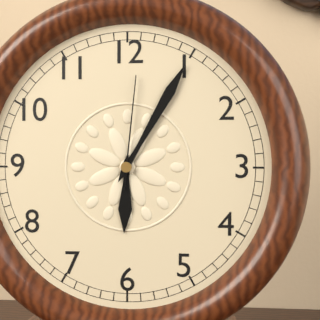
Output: 6h05m01s
